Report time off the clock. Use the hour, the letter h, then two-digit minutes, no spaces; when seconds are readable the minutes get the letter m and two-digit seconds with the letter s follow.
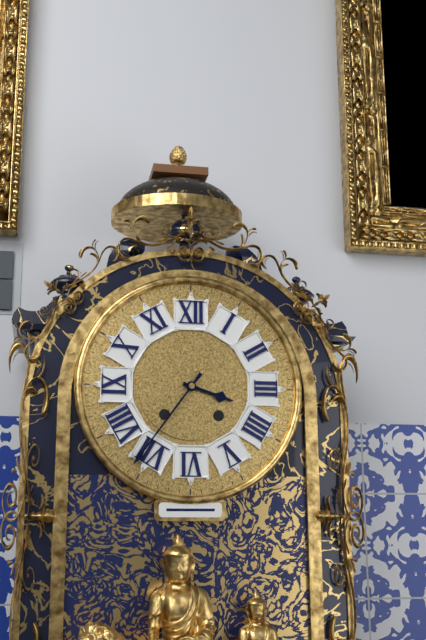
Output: 3h36
